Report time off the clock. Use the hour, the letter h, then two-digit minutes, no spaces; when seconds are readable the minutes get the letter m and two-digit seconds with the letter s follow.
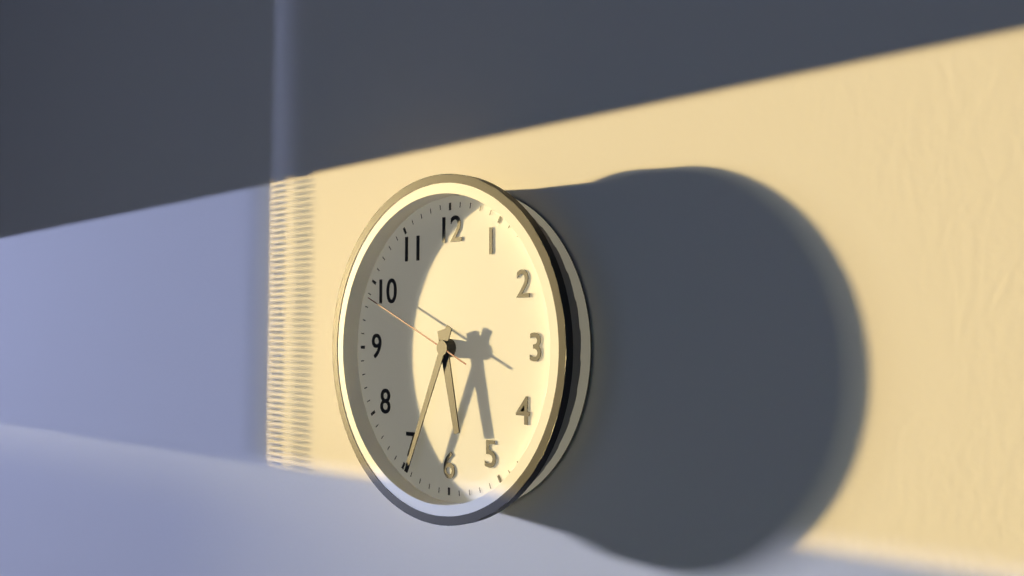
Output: 5h34m49s
